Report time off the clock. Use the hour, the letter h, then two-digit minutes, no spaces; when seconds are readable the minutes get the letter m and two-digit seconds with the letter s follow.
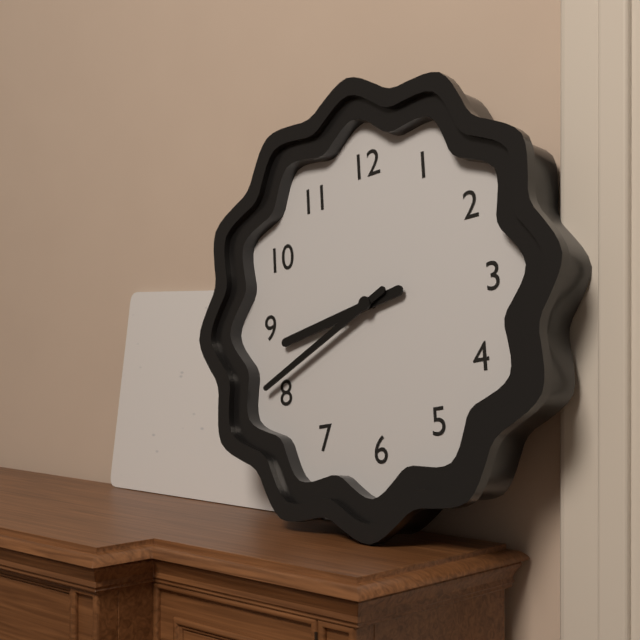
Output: 8h41
